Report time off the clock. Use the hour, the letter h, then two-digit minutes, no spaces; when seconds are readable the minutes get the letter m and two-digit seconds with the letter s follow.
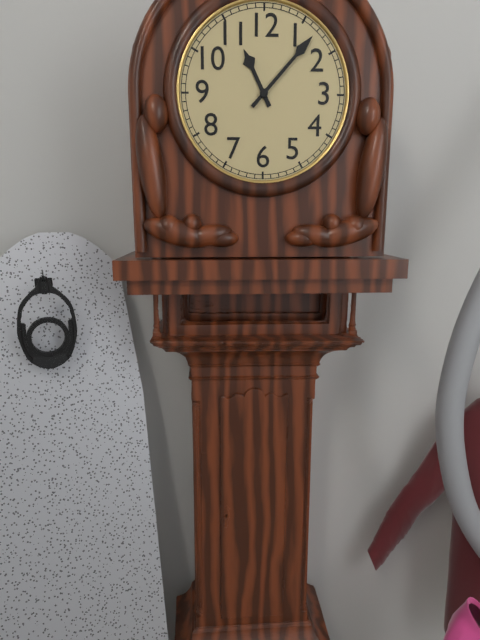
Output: 11h07
